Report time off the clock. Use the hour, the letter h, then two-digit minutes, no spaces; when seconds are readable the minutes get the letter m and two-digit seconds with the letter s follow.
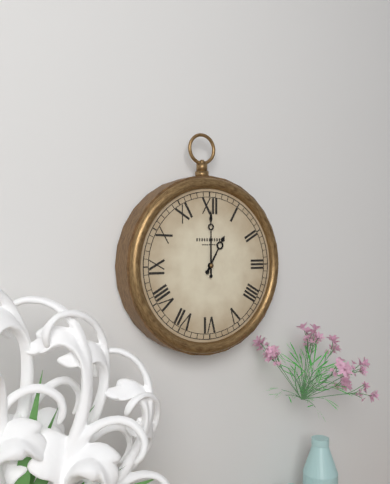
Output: 1h00
